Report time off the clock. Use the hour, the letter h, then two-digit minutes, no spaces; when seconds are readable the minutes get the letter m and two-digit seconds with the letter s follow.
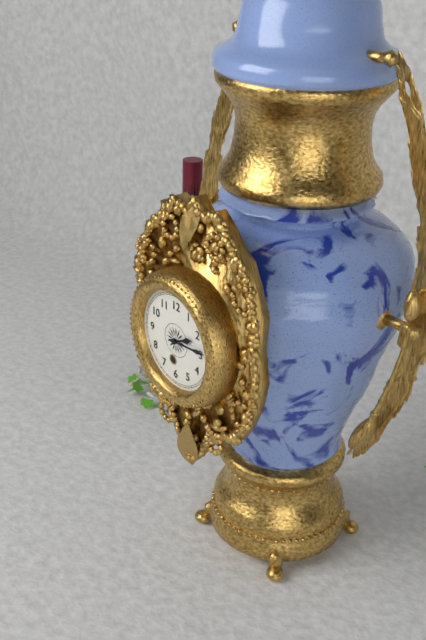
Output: 2h14
